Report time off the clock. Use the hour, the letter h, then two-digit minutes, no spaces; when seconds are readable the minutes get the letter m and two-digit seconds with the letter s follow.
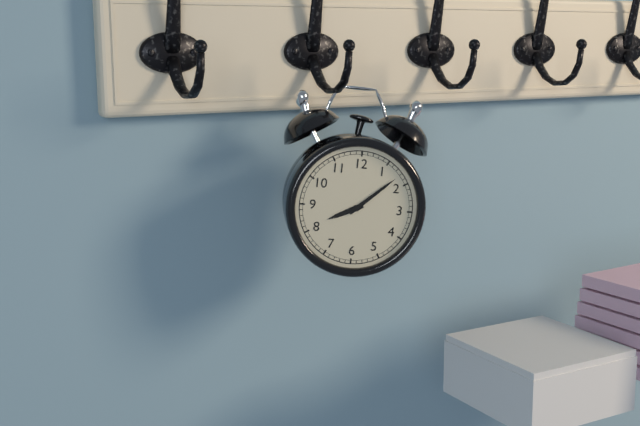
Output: 8h08
